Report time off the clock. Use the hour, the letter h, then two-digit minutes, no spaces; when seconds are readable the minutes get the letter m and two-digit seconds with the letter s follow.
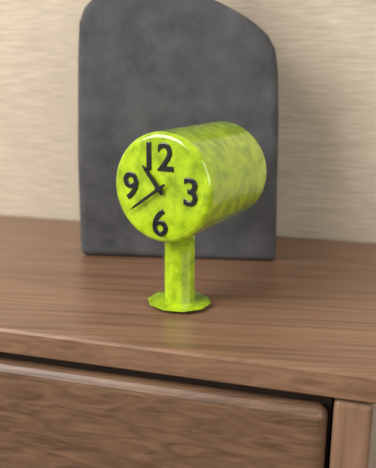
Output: 10h39
